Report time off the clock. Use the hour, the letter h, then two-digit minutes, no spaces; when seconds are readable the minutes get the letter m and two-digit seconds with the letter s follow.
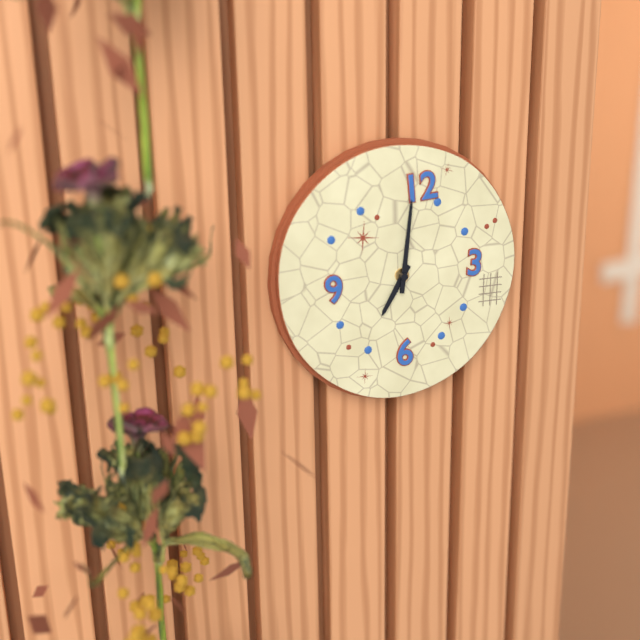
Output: 7h01
